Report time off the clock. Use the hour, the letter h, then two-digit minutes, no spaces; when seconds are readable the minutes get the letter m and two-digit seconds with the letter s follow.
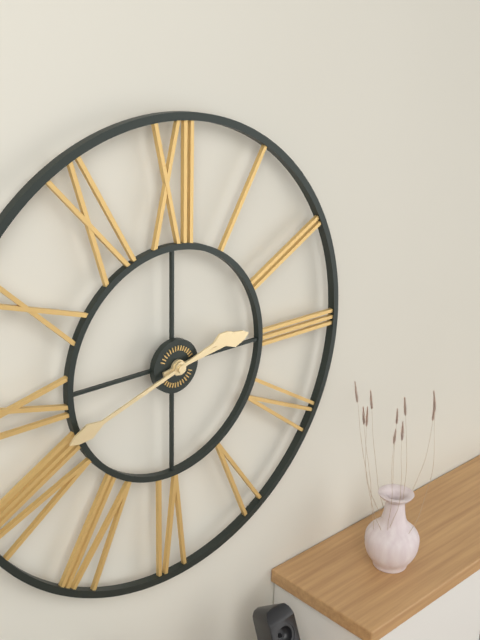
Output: 2h42
